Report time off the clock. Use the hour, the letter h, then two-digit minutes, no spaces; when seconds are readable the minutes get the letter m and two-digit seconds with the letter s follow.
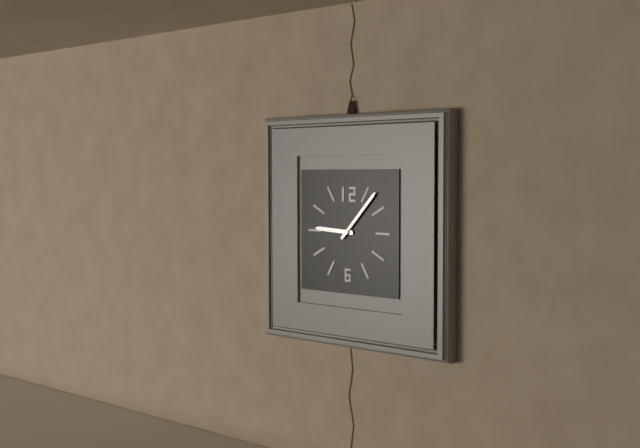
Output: 9h07
